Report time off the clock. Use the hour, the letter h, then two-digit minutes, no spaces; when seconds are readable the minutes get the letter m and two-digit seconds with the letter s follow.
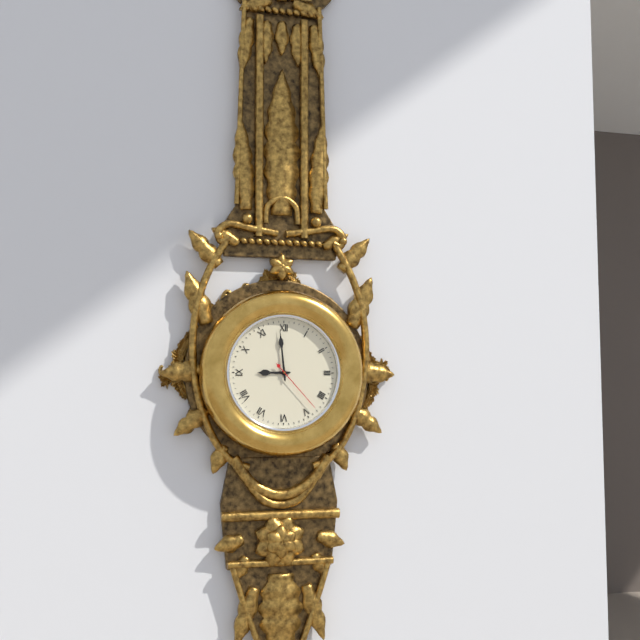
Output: 8h59m23s
